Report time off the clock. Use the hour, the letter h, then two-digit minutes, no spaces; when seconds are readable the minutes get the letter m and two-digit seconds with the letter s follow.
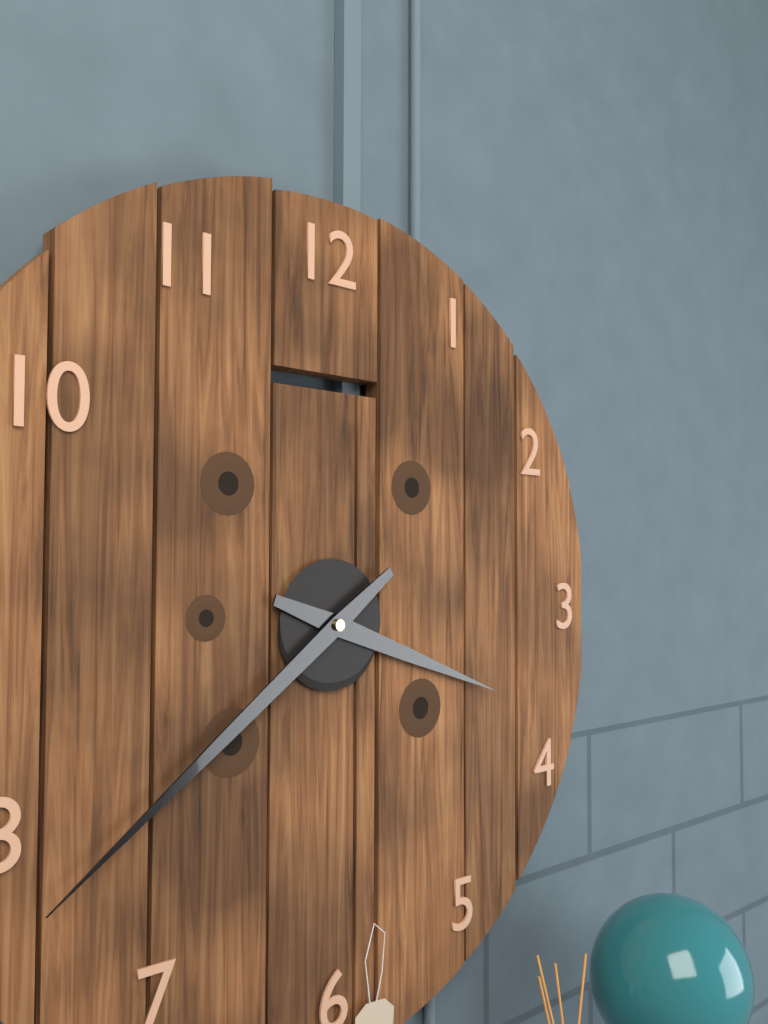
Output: 3h39
